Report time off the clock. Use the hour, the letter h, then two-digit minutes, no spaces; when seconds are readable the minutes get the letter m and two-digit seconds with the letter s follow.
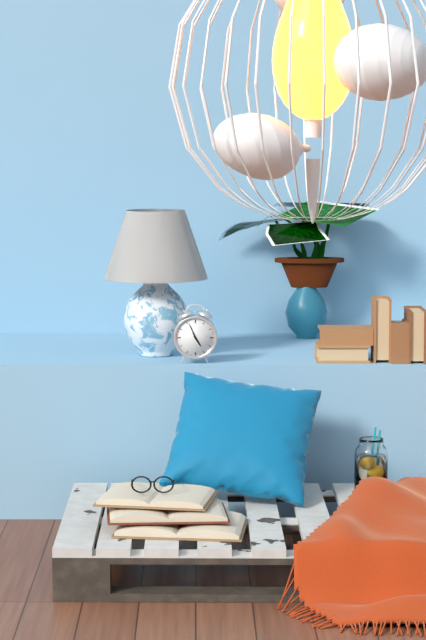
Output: 4h56
